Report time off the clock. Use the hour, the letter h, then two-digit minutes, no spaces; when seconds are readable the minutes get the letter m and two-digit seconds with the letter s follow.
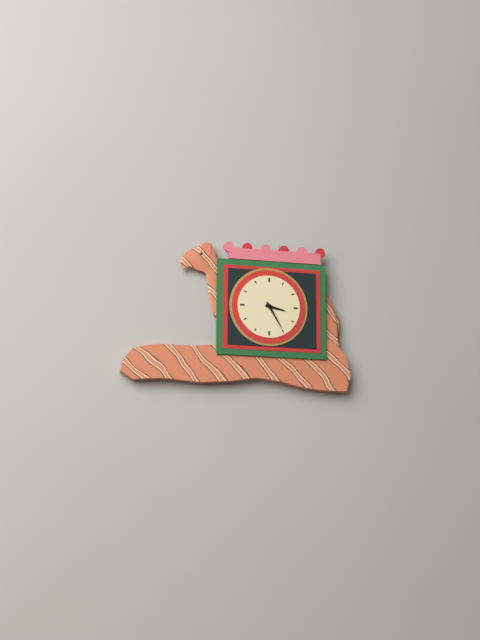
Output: 3h25
